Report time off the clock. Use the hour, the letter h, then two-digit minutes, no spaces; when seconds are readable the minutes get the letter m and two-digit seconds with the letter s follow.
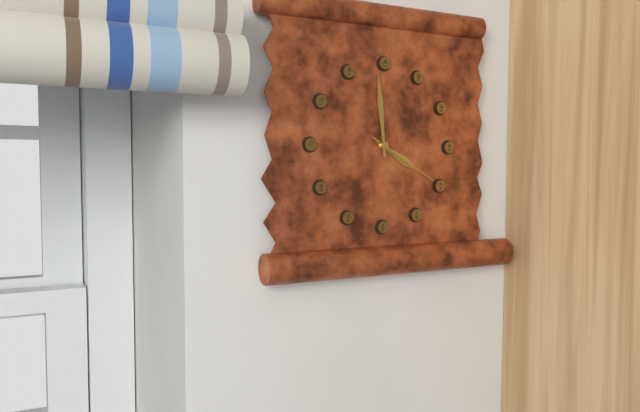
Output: 3h59m20s
